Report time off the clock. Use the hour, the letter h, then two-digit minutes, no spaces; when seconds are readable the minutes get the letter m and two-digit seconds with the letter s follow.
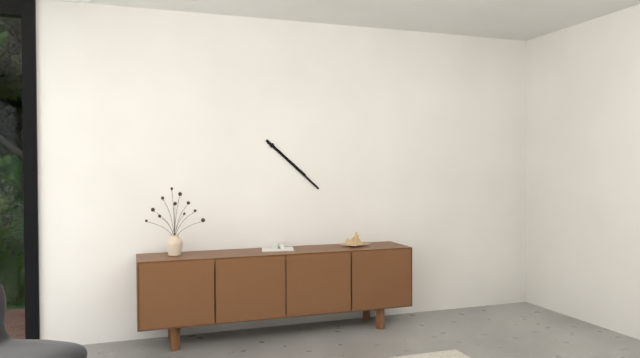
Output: 4h22
